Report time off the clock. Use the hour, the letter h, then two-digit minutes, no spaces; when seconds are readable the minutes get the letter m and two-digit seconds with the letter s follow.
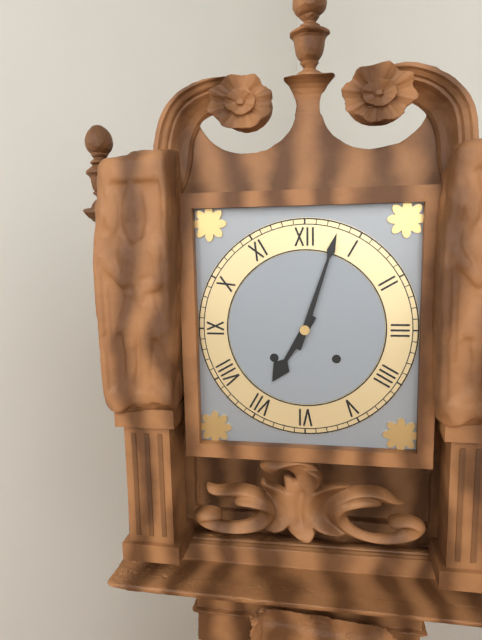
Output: 7h03
